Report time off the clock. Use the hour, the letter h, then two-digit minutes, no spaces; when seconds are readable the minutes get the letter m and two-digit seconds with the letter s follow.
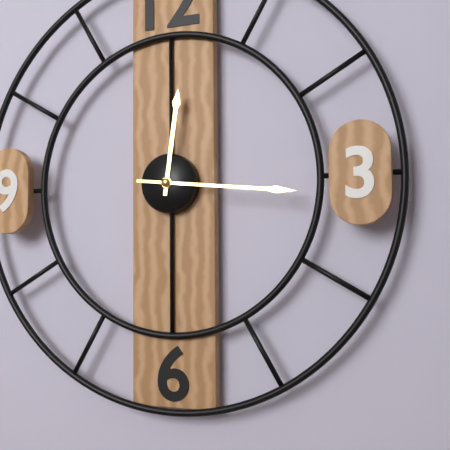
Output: 12h16
